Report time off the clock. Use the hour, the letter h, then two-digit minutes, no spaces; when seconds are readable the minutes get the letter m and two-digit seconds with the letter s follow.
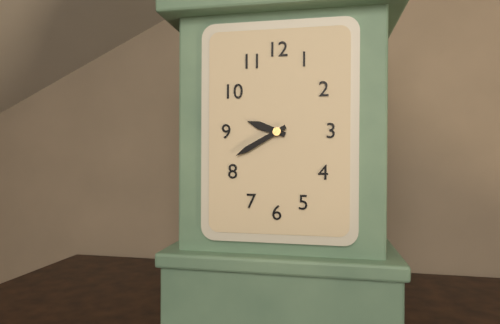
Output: 9h40
